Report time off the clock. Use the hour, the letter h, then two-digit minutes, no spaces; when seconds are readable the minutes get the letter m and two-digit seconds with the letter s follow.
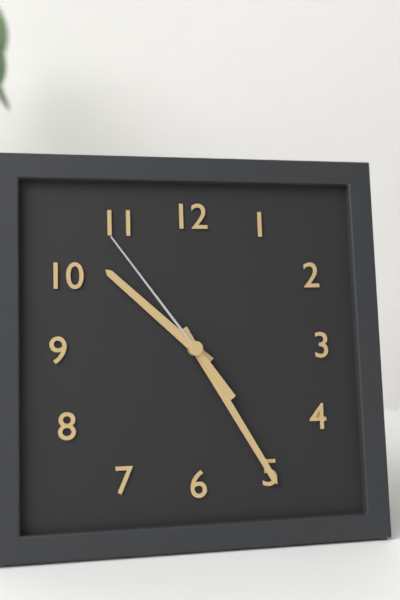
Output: 10h25m54s
